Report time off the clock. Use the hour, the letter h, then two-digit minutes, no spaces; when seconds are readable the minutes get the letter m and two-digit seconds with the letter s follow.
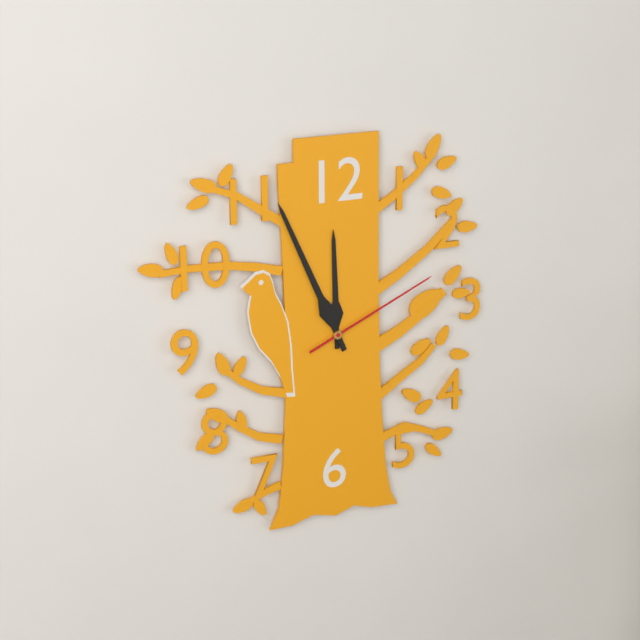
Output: 11h56m11s
